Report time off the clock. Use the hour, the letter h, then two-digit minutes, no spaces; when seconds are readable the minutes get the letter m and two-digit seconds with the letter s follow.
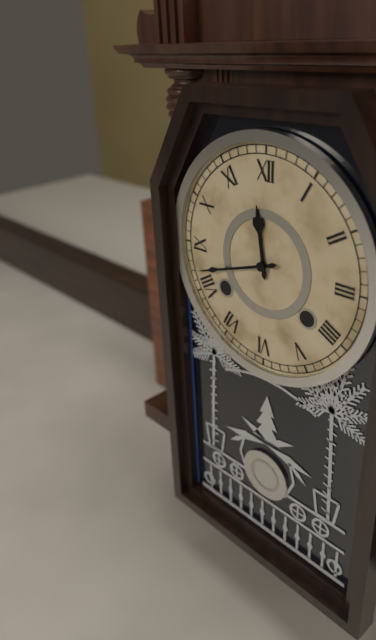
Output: 11h42
